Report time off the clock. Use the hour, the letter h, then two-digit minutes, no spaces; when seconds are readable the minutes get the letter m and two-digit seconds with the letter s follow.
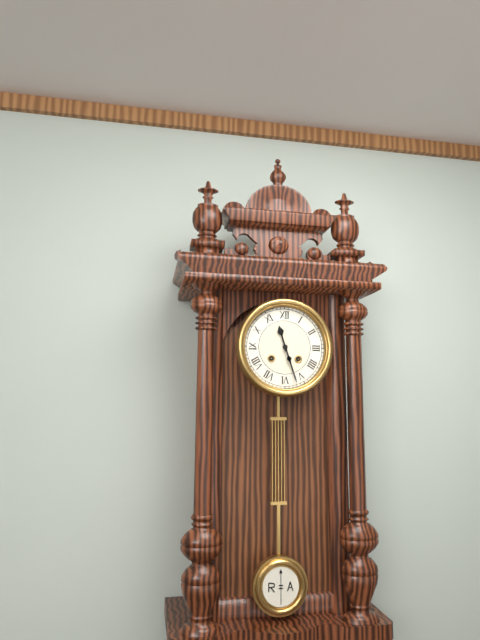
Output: 11h27
